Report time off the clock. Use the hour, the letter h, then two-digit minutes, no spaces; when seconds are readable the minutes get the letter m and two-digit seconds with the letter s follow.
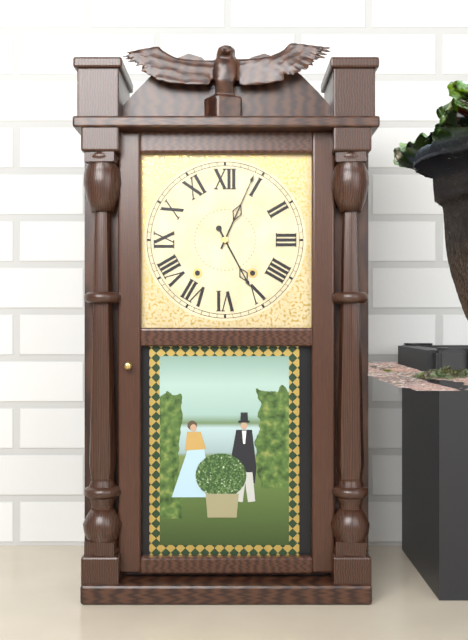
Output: 5h04
